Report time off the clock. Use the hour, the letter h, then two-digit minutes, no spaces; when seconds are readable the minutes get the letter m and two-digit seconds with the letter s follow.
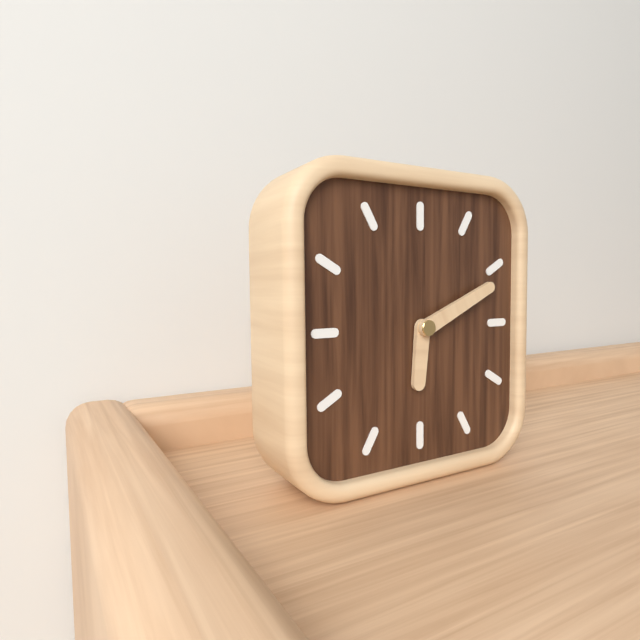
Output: 6h11
